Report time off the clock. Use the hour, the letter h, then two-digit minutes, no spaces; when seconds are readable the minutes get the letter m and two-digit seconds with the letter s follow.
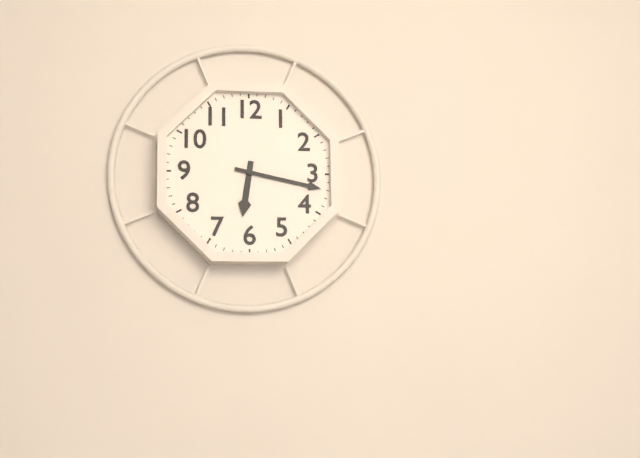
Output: 6h17
